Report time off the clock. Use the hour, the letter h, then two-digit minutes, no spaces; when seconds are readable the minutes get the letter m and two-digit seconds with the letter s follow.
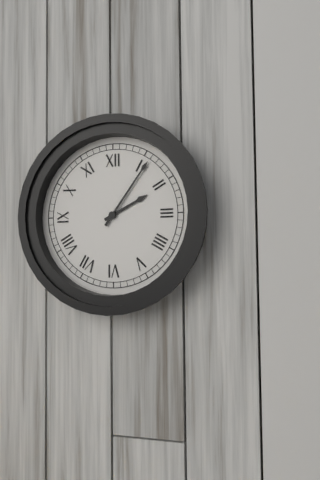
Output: 2h06
